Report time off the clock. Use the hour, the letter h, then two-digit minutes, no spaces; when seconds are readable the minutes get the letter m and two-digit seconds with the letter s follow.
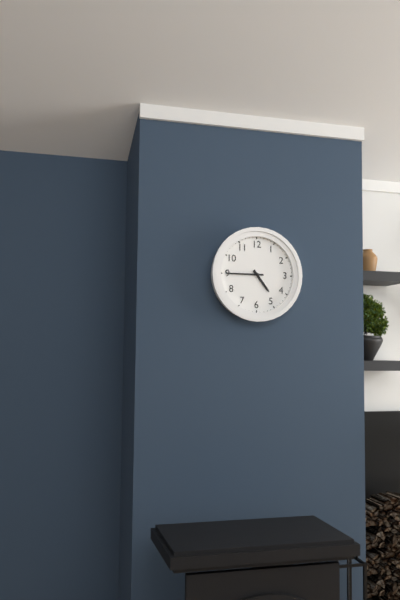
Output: 4h45
